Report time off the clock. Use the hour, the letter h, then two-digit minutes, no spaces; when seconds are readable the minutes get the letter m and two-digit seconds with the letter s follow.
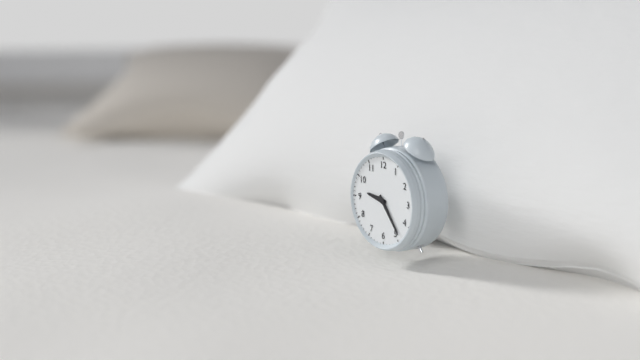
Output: 9h24
